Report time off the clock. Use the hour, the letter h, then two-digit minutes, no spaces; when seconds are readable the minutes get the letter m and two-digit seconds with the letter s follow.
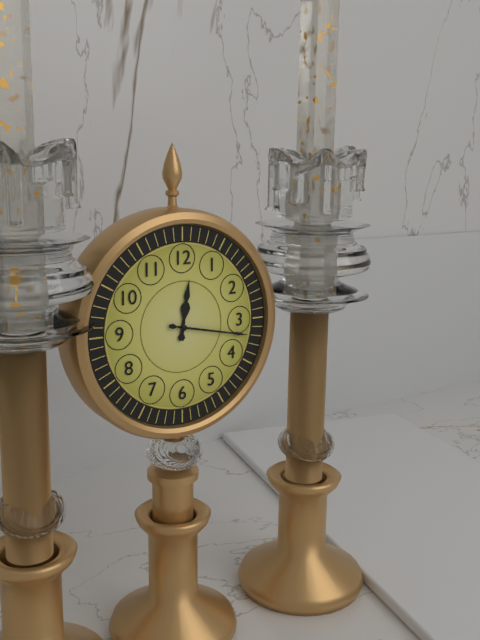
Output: 12h17
